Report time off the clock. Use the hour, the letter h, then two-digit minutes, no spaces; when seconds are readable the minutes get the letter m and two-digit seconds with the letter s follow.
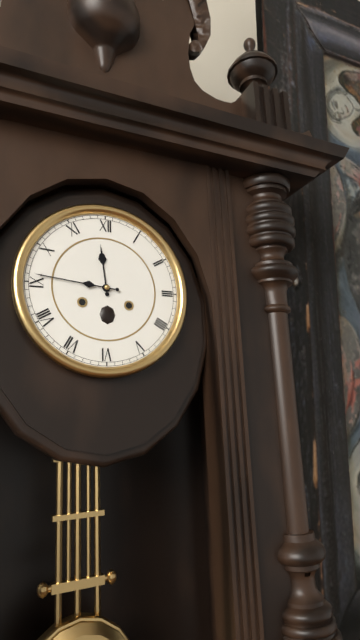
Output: 11h46
